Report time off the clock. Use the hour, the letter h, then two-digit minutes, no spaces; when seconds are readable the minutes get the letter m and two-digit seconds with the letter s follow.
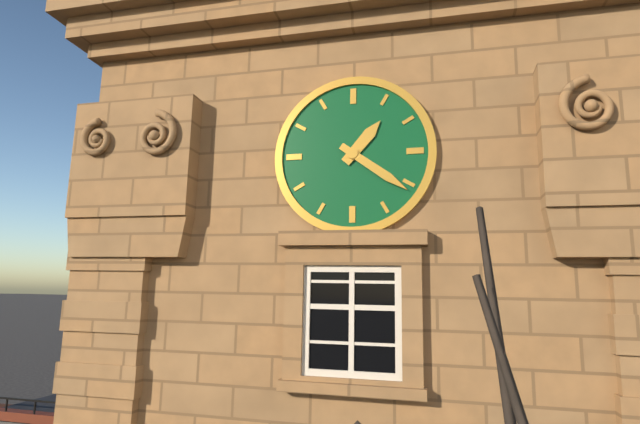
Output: 1h21
